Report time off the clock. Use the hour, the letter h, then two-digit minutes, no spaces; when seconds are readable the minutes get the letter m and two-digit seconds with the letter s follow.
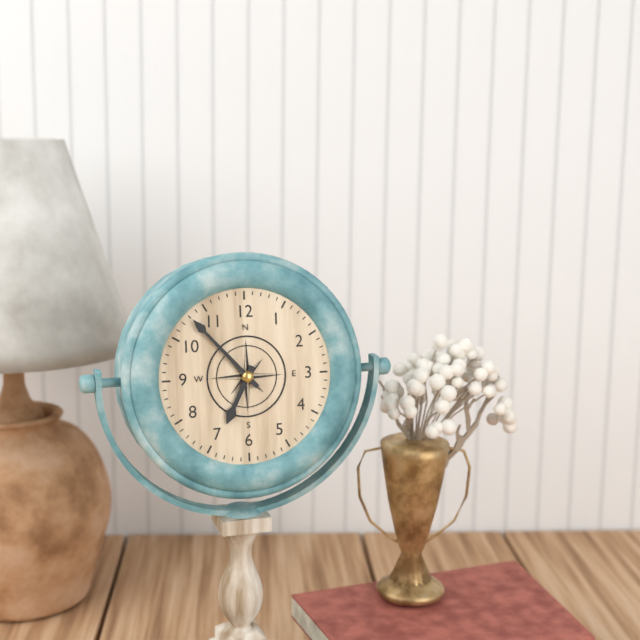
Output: 6h53
